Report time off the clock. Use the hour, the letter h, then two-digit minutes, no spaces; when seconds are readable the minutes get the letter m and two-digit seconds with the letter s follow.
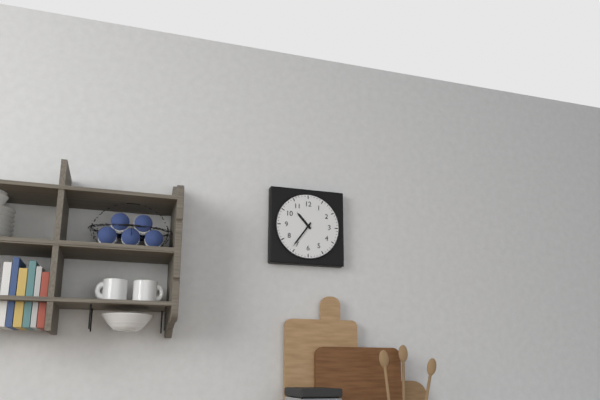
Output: 10h36
